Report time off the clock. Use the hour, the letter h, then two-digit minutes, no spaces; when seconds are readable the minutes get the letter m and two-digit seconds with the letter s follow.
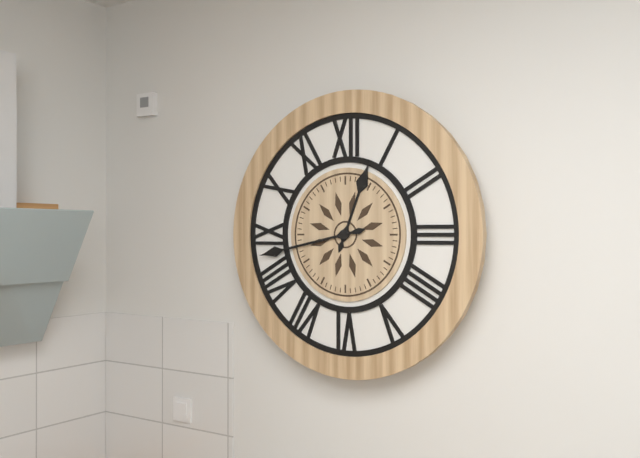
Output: 12h43
